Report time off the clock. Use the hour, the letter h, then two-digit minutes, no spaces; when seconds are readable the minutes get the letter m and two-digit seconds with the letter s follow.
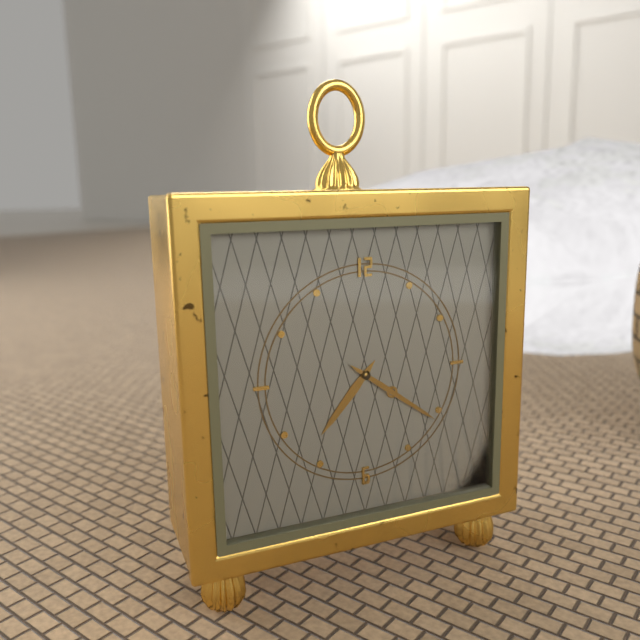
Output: 7h21
